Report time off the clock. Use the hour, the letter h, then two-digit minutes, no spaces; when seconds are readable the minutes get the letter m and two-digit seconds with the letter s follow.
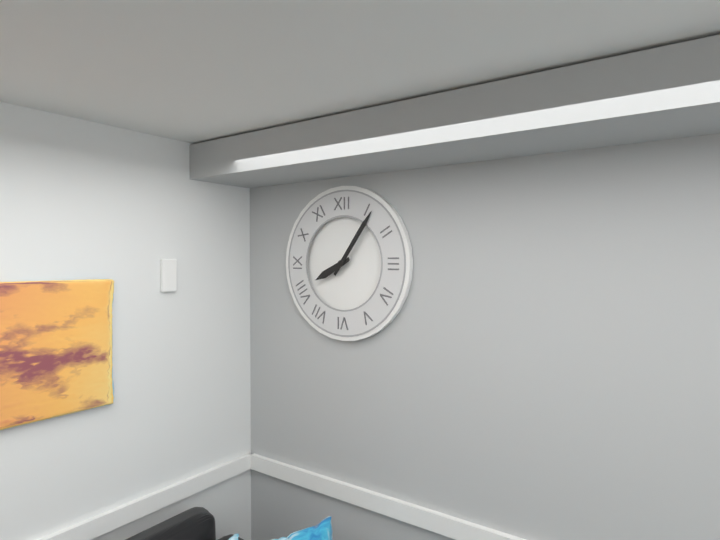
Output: 8h06
